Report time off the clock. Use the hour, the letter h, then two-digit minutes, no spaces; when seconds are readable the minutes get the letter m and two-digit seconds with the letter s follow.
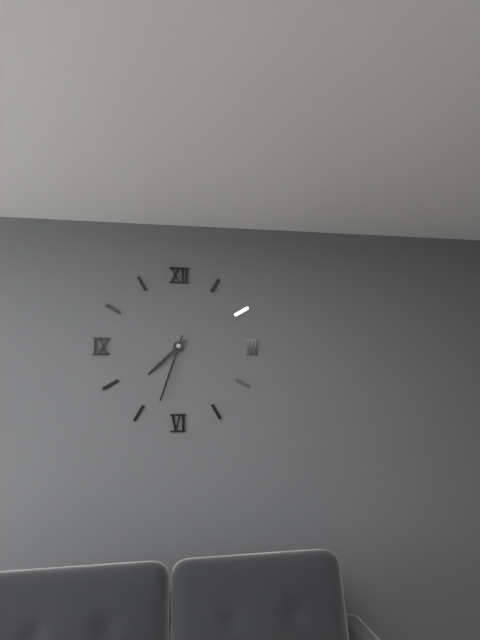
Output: 7h33
